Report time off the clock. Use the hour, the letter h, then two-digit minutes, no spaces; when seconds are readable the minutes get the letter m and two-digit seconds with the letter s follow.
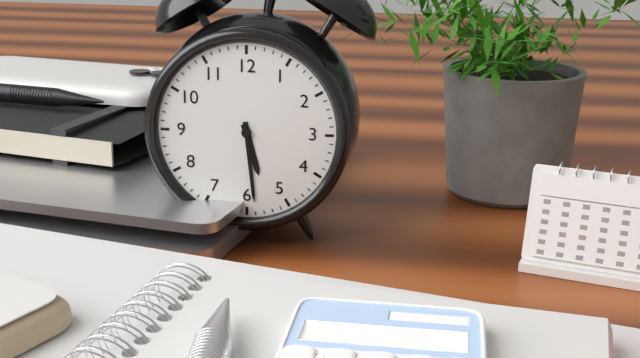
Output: 5h29
